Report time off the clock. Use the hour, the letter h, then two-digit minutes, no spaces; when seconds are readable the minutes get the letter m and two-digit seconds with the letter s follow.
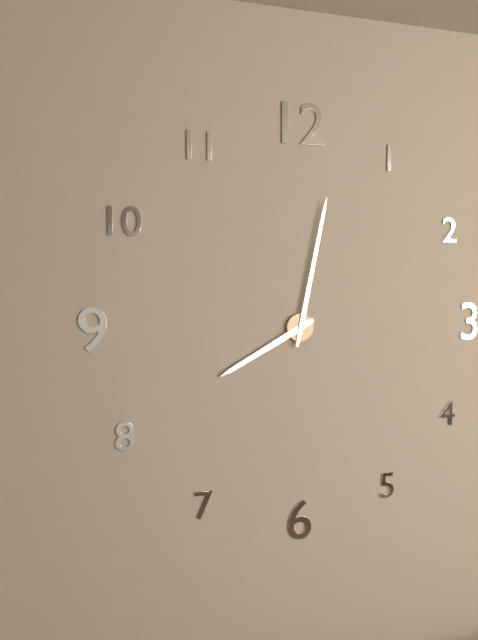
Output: 8h02
